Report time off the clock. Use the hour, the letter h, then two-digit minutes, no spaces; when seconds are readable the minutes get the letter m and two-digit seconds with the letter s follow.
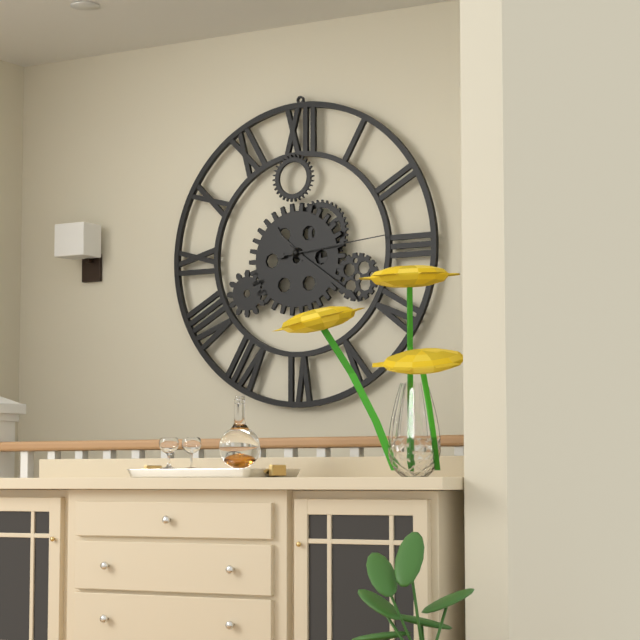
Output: 10h21m14s
